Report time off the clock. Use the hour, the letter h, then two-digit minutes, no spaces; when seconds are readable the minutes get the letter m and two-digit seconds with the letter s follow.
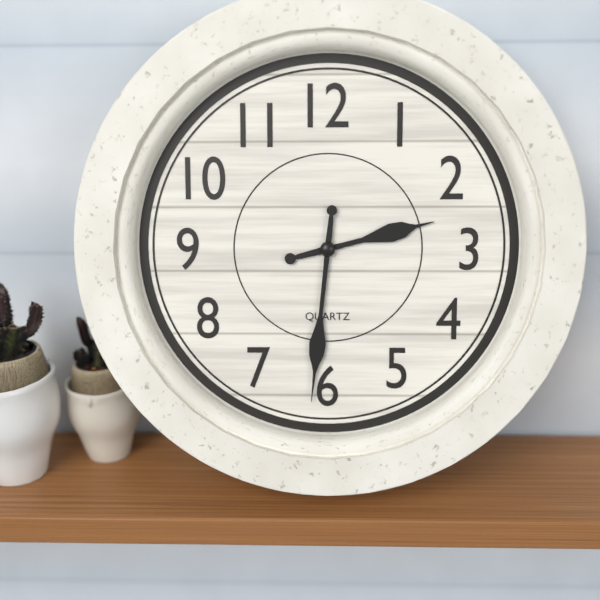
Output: 2h31
